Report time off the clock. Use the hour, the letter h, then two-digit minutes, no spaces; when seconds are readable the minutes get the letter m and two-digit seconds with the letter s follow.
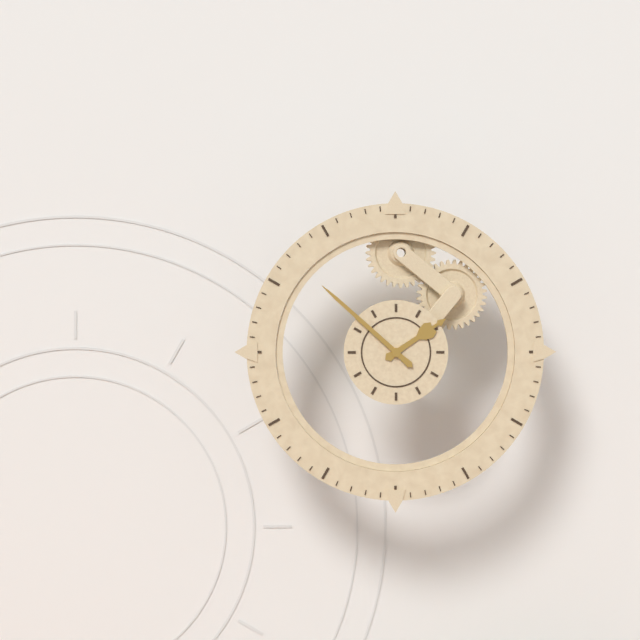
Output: 1h52
